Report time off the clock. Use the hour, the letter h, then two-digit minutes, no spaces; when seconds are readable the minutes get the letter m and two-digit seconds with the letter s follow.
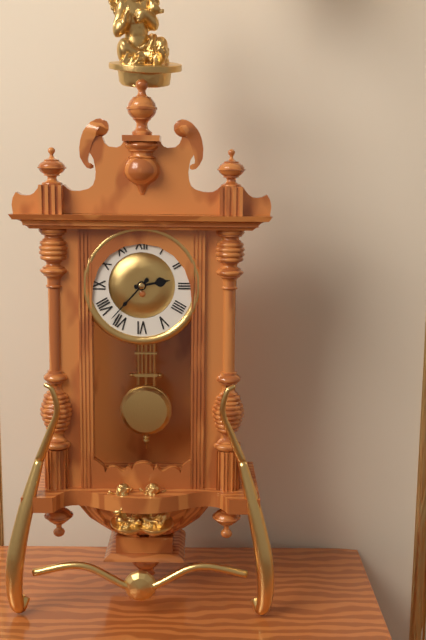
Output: 2h37
